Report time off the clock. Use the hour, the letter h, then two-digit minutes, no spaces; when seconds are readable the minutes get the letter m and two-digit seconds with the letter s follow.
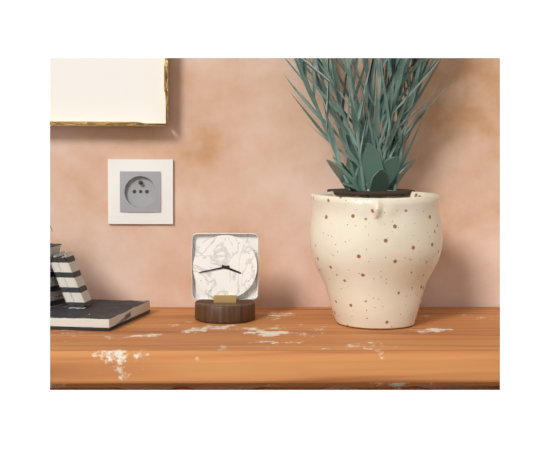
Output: 3h43
